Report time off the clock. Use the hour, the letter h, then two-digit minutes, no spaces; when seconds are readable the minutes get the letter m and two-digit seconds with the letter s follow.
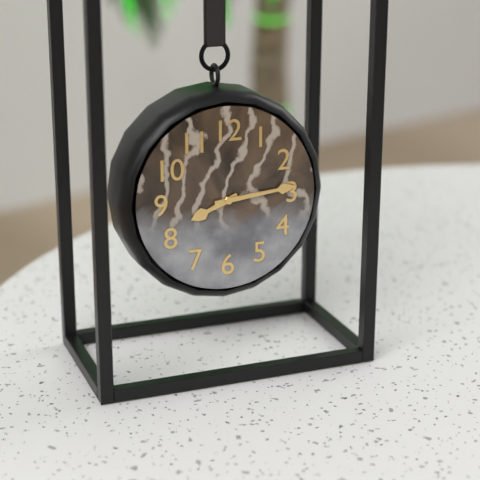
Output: 8h14
